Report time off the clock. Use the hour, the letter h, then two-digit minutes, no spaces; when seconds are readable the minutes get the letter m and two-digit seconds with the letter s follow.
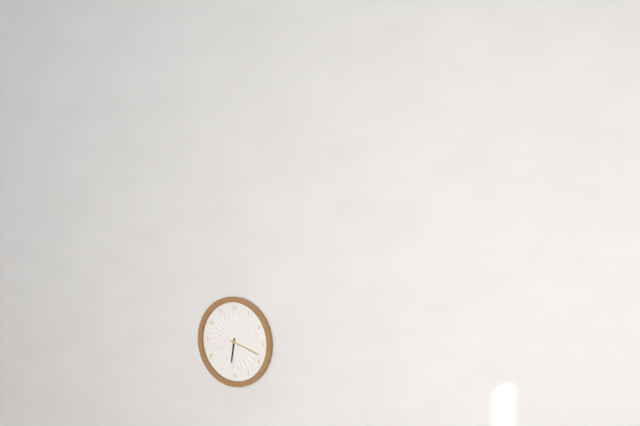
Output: 6h18
